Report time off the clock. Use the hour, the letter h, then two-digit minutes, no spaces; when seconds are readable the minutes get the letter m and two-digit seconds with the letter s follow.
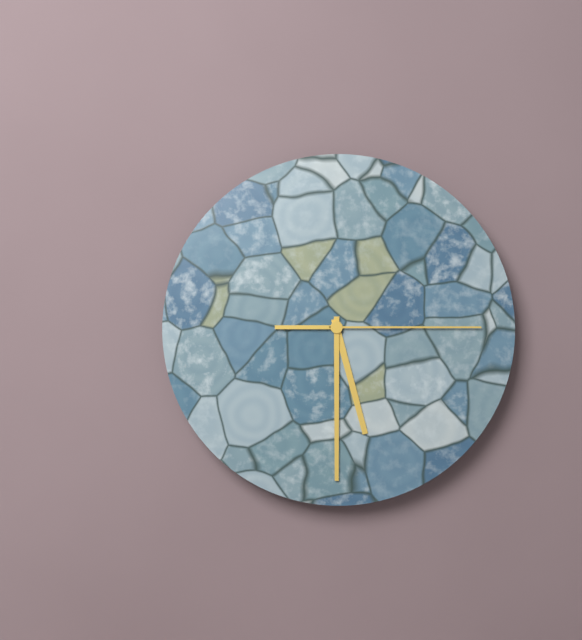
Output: 5h30m15s
